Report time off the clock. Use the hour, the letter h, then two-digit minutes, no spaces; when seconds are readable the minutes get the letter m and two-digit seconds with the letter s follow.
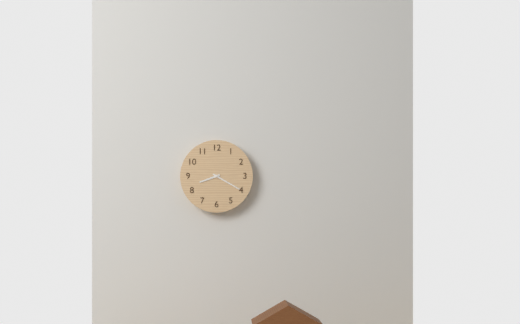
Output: 8h20
